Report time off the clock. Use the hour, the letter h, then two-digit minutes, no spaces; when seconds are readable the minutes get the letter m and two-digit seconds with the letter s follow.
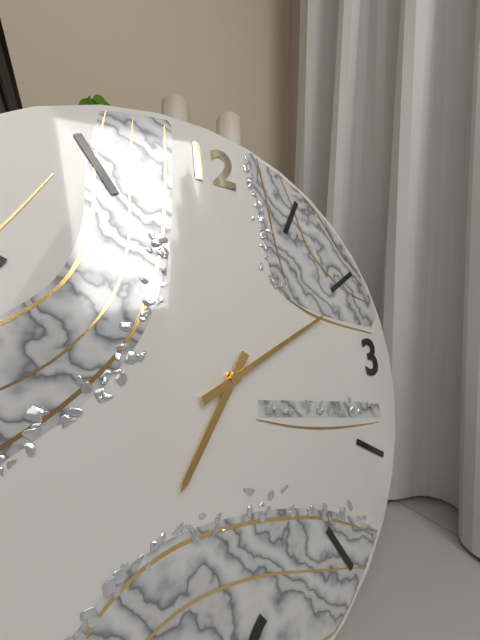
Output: 7h11
